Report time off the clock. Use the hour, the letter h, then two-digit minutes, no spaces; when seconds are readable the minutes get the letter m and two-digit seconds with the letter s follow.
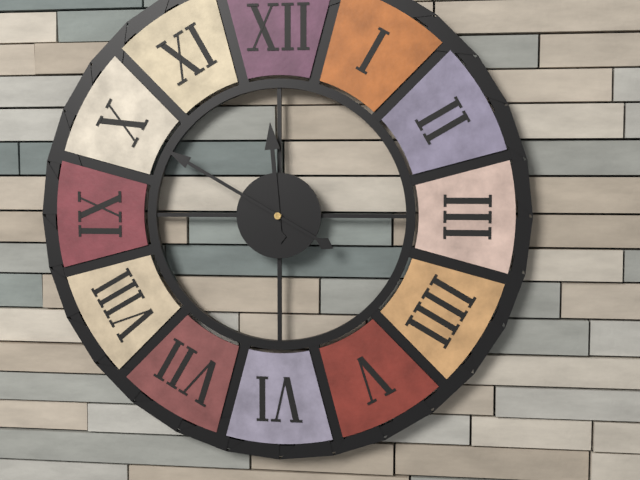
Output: 11h50
